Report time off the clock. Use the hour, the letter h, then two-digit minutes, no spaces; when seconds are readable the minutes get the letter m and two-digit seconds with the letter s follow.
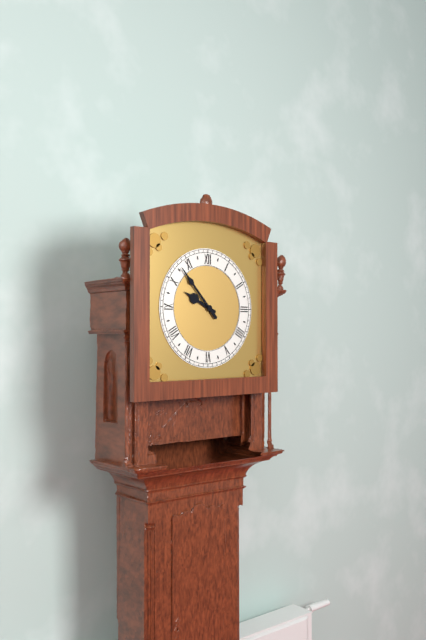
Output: 9h53
